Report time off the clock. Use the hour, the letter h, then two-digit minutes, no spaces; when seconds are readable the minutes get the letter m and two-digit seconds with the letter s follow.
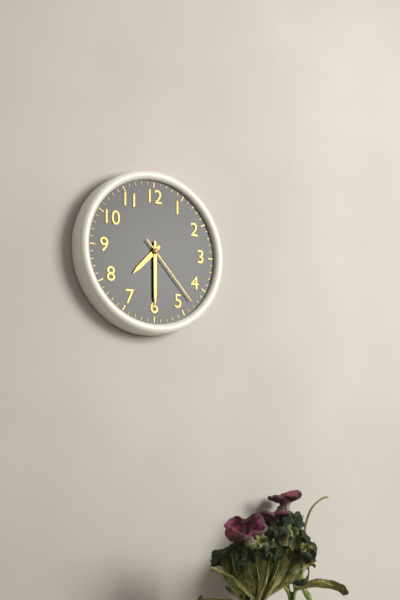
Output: 7h30m23s
